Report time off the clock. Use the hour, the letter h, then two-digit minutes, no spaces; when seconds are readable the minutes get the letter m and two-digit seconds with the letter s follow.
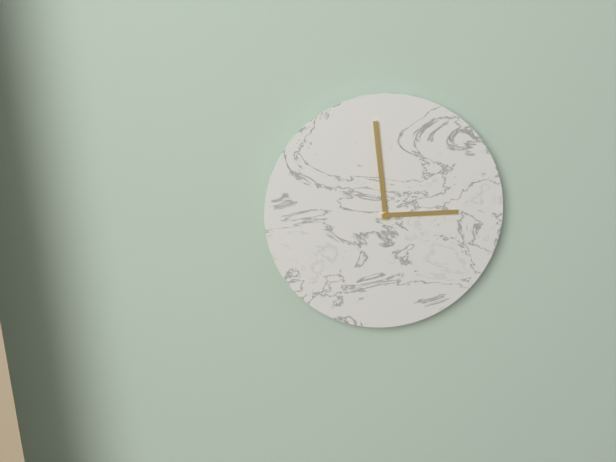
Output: 2h59
